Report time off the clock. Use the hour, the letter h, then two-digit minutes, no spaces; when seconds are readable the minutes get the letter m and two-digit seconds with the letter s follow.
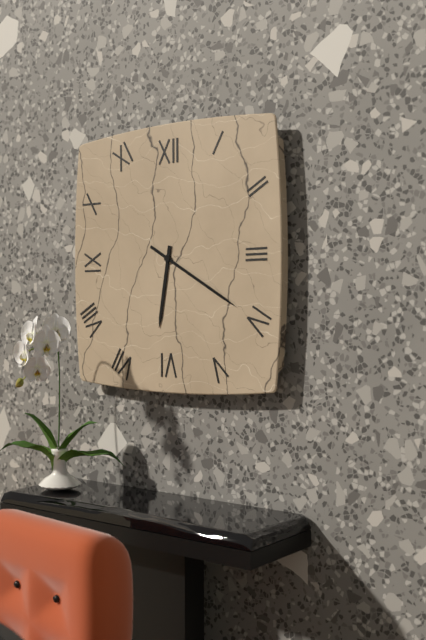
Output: 6h20
